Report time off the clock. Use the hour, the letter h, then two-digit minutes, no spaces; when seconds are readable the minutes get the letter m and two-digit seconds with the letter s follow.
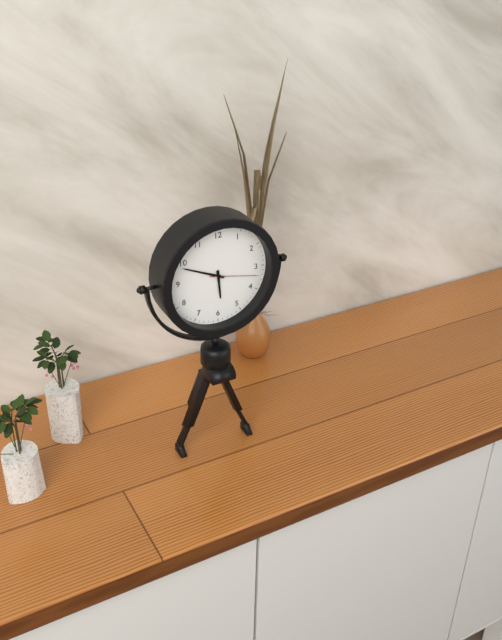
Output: 5h49m17s
